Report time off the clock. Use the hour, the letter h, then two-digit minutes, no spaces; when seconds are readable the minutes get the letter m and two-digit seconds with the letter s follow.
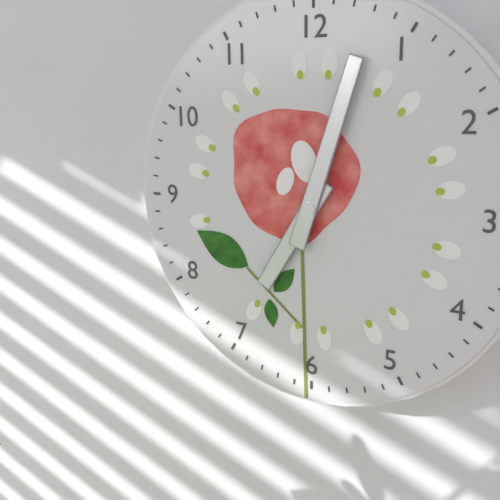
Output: 7h03
